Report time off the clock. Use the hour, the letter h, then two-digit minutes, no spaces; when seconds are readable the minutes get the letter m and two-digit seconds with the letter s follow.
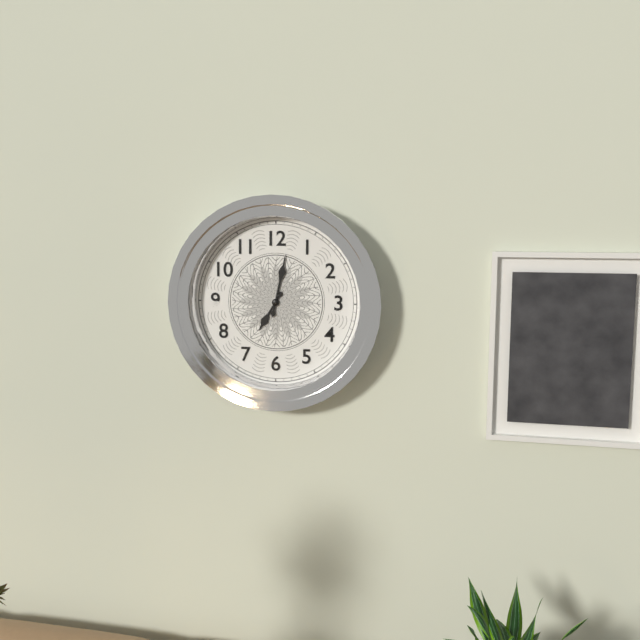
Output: 7h02
